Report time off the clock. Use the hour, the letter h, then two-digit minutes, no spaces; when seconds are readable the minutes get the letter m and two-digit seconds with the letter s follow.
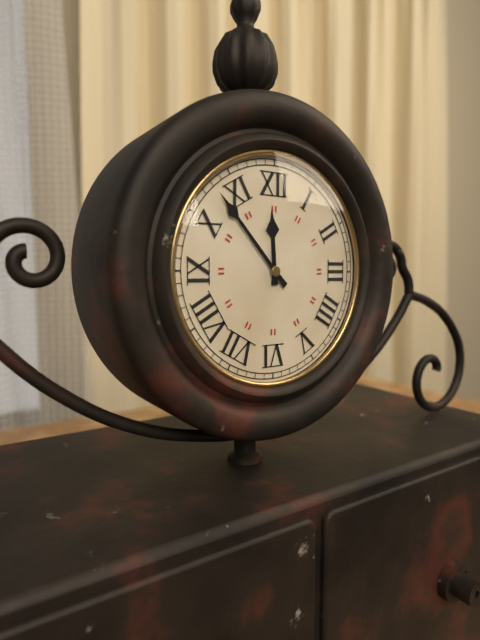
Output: 11h53
